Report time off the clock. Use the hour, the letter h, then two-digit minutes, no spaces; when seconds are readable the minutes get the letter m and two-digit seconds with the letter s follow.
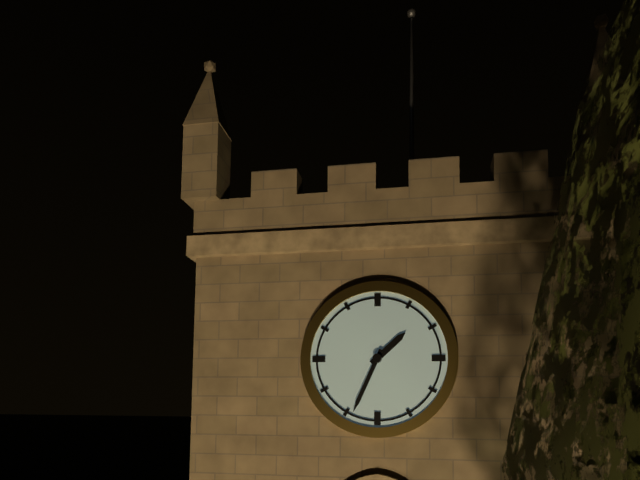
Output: 1h34
